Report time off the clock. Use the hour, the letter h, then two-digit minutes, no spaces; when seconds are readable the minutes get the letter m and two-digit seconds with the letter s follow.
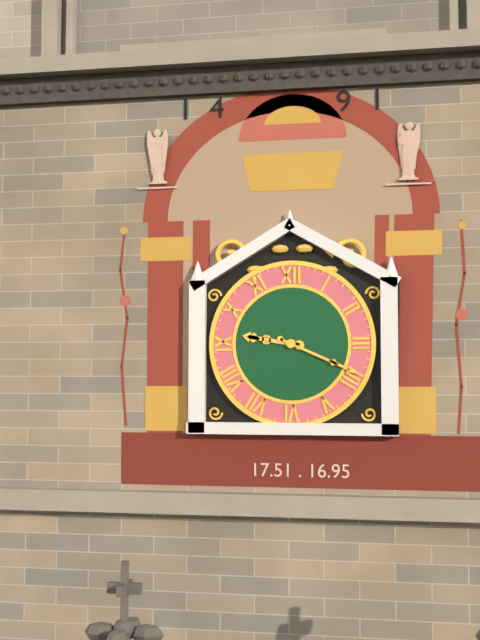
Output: 9h19
